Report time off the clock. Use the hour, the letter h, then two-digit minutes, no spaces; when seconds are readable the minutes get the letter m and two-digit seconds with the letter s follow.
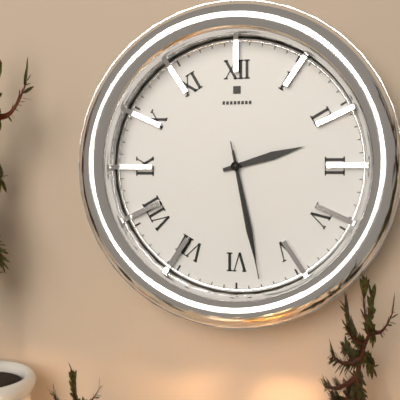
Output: 2h28m28s
